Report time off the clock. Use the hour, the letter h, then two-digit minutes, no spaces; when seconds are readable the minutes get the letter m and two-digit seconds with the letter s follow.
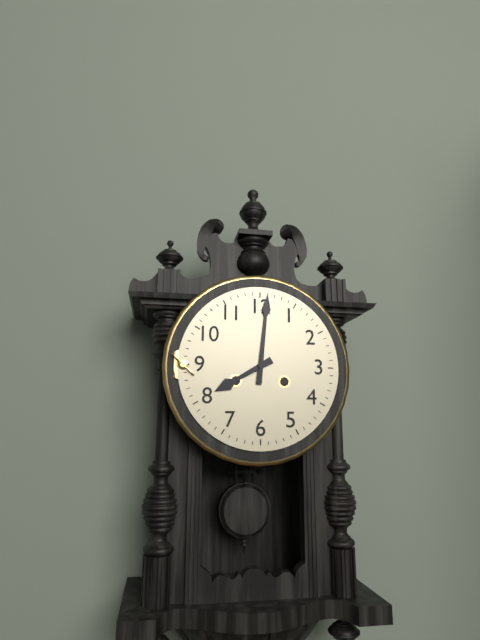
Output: 8h01
